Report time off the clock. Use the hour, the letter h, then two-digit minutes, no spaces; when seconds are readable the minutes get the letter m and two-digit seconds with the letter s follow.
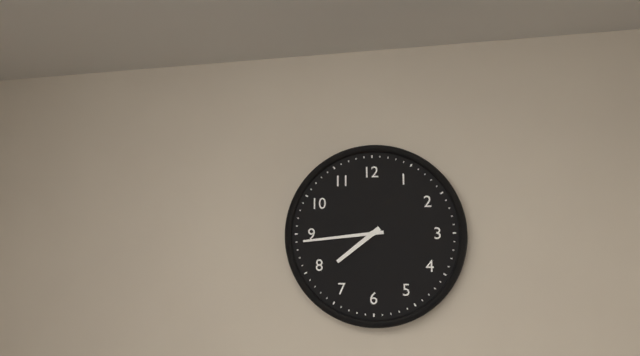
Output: 7h44
